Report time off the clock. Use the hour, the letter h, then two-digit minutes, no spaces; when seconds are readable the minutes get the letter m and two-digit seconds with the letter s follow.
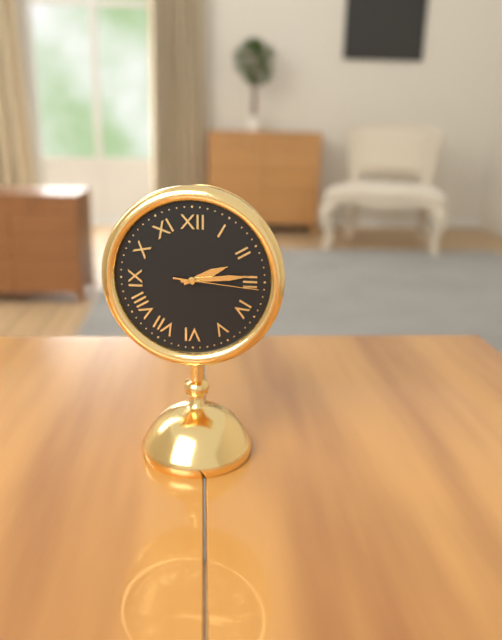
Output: 2h14m16s
